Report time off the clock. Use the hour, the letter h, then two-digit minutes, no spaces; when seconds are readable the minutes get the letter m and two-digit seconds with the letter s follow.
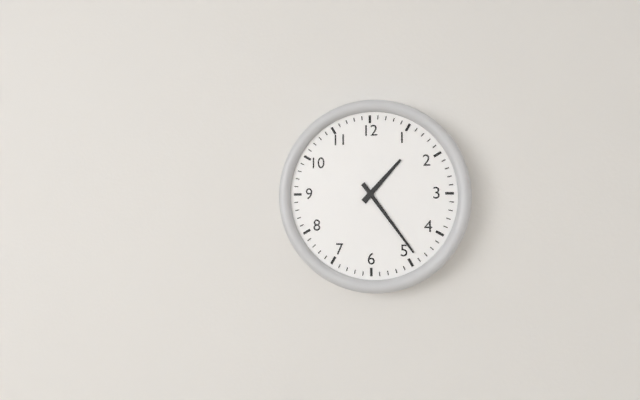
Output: 1h24
